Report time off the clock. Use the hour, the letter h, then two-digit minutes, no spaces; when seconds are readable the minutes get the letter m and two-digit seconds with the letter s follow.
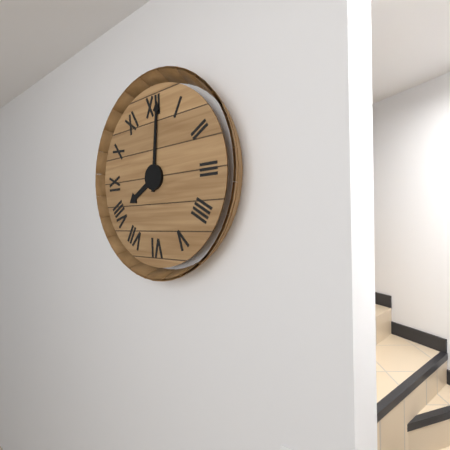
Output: 8h01
